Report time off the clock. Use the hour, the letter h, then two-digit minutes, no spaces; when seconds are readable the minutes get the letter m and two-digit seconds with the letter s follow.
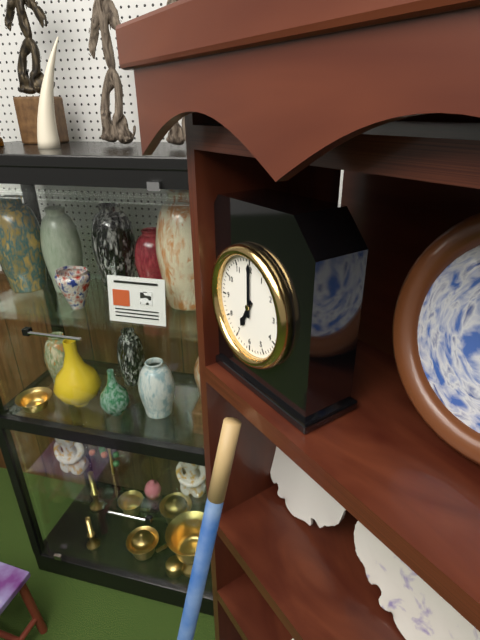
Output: 7h00
